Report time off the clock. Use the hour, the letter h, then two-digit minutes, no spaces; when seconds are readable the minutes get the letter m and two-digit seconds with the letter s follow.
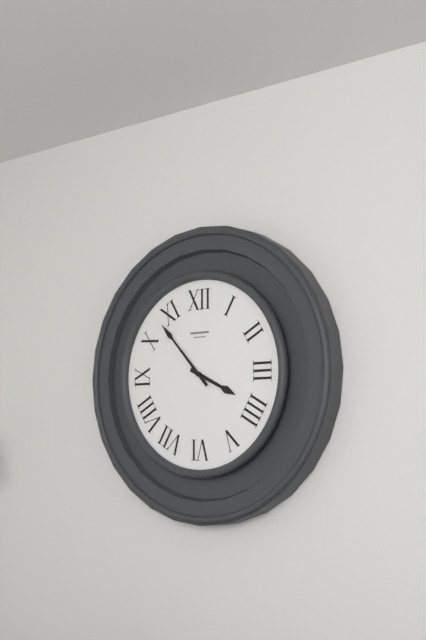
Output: 3h53
